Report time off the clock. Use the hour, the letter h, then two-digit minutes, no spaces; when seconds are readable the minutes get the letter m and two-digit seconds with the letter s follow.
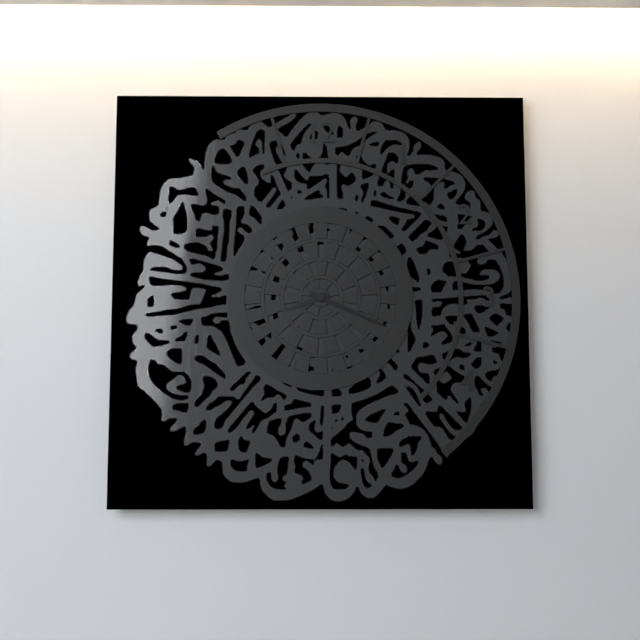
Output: 8h19
